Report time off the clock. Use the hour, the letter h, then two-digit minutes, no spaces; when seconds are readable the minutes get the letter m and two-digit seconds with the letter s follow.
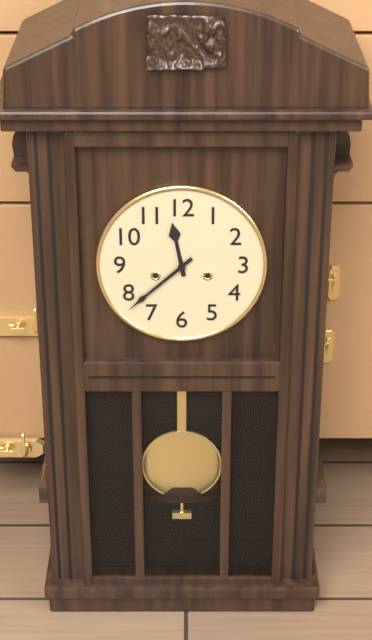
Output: 11h38
